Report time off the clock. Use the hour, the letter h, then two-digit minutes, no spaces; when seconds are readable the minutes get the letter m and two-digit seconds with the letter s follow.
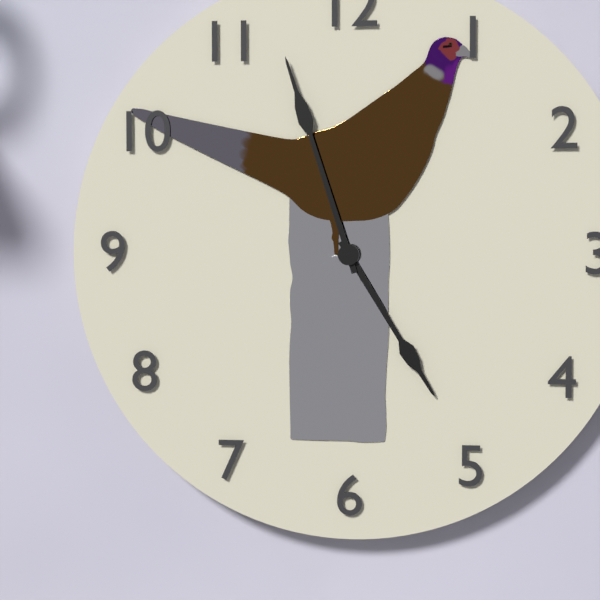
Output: 4h57
